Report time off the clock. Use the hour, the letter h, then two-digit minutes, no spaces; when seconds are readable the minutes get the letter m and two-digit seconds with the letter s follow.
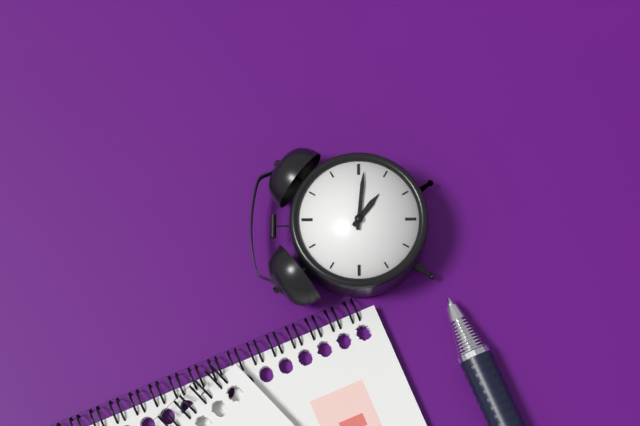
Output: 4h16
